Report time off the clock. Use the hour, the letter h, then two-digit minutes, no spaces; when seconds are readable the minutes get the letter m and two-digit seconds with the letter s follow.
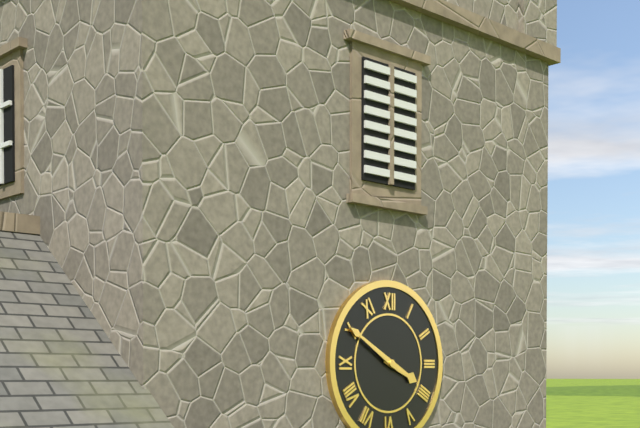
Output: 3h50
